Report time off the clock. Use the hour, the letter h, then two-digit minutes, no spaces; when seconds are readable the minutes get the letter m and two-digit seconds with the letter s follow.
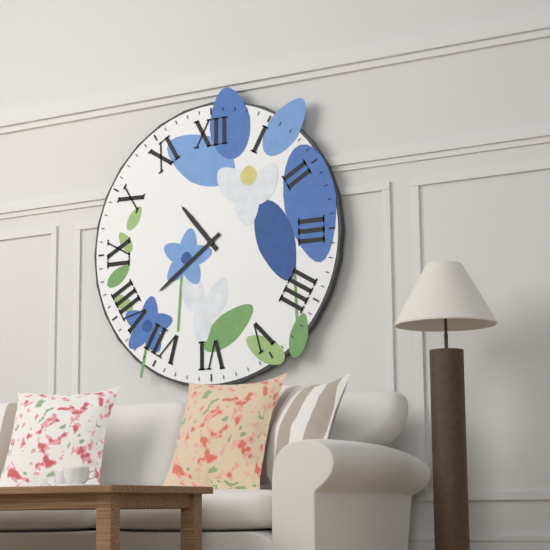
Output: 10h39
